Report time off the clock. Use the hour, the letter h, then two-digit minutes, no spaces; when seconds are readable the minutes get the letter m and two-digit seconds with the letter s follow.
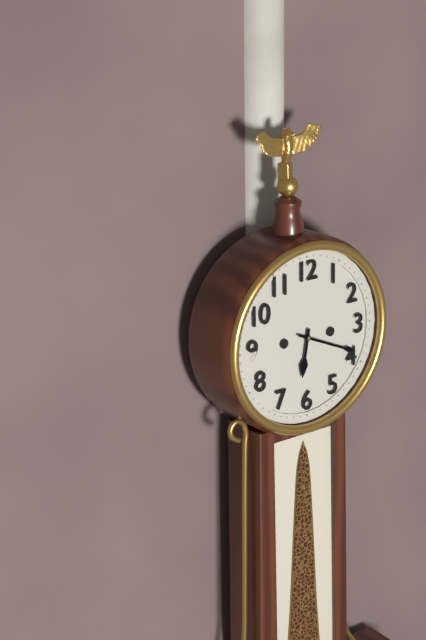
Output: 6h19
